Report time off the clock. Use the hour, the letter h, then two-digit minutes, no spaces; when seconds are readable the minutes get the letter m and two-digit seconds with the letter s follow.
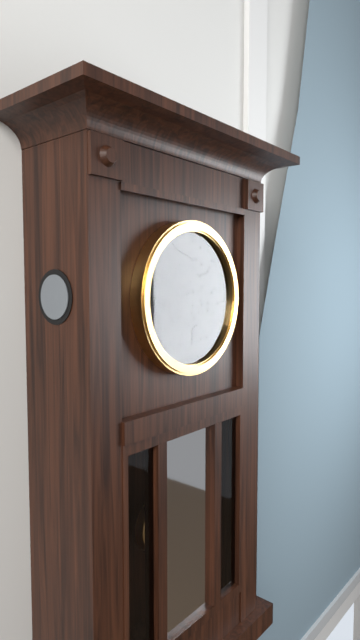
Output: 1h29
